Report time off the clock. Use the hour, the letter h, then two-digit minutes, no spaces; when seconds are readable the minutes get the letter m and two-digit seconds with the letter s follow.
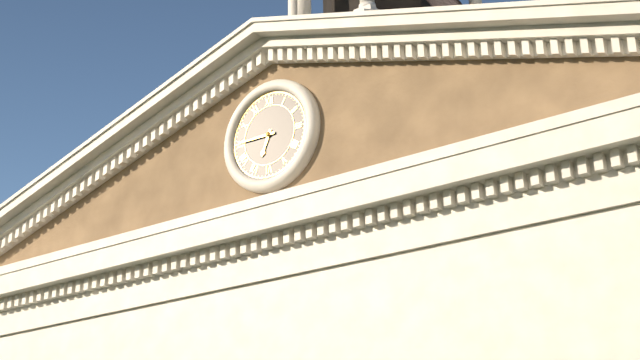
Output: 6h45
